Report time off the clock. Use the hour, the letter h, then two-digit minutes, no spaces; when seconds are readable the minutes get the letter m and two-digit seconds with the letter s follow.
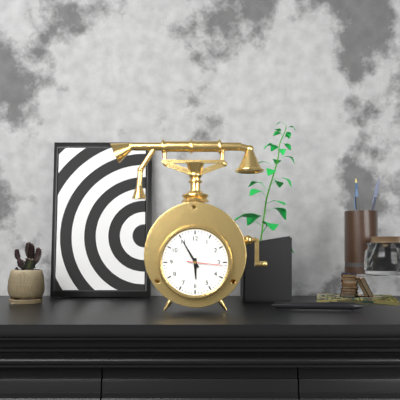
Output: 5h55
